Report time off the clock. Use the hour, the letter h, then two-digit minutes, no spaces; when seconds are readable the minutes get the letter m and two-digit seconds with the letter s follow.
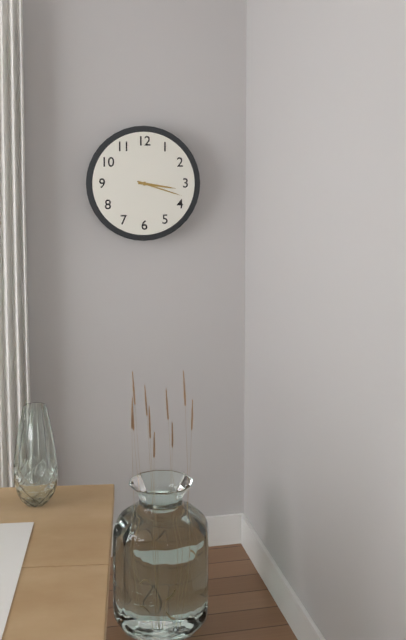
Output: 3h18
